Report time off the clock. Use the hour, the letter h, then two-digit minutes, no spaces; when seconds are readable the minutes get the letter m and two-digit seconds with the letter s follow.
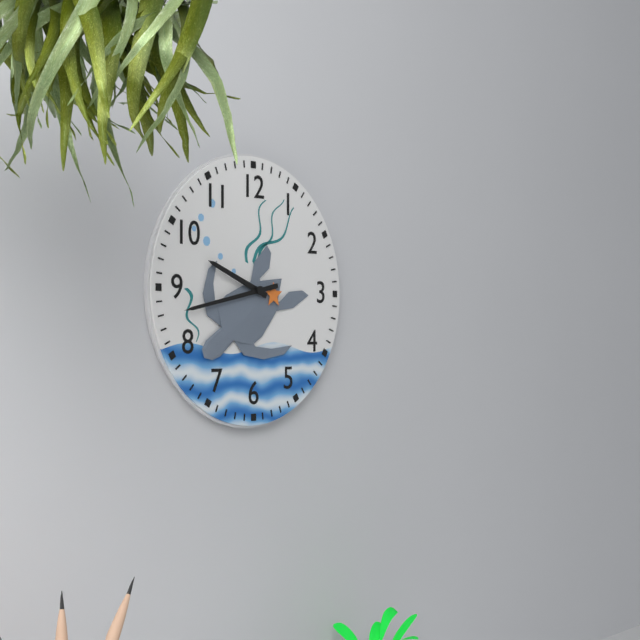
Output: 9h43
